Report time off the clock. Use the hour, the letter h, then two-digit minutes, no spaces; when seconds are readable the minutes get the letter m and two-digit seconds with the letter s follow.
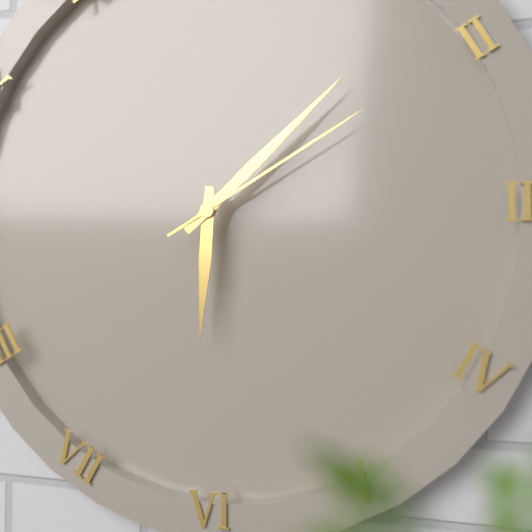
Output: 6h08m10s
